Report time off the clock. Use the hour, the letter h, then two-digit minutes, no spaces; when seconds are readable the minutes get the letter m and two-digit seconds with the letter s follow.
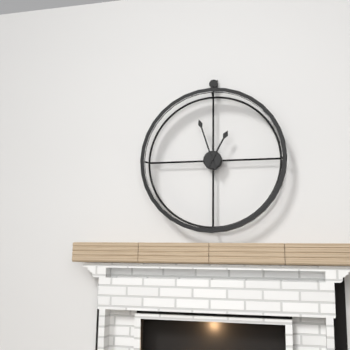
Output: 12h57
